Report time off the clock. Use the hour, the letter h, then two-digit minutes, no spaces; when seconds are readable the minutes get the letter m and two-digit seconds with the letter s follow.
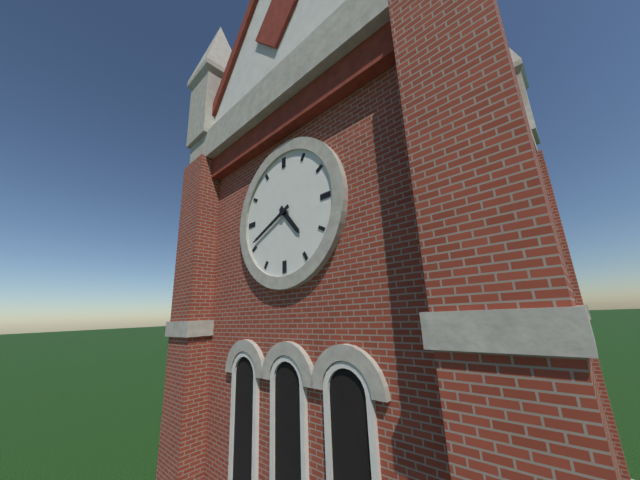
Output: 4h41
